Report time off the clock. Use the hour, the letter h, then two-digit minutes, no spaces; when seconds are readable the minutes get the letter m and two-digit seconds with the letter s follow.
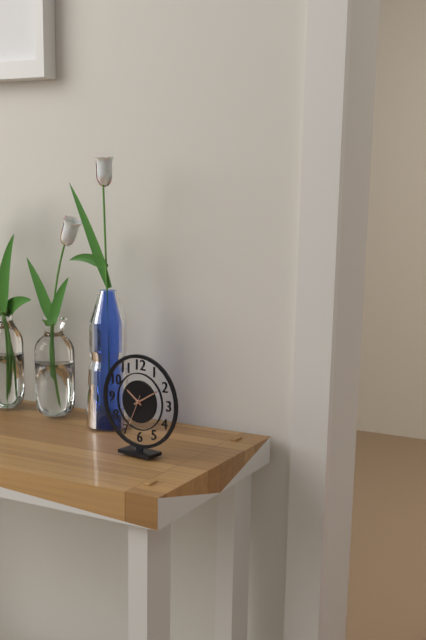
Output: 10h10
